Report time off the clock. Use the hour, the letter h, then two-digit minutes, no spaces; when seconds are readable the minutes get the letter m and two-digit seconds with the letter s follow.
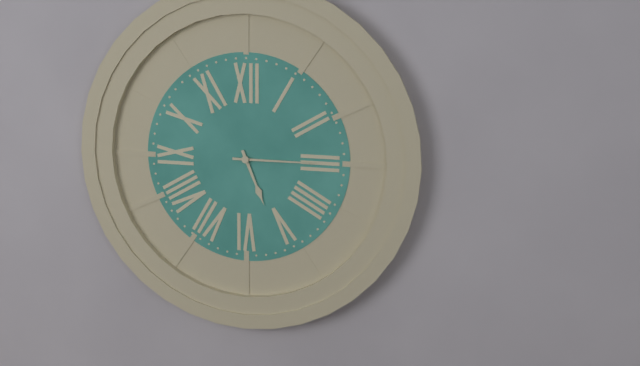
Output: 5h15
